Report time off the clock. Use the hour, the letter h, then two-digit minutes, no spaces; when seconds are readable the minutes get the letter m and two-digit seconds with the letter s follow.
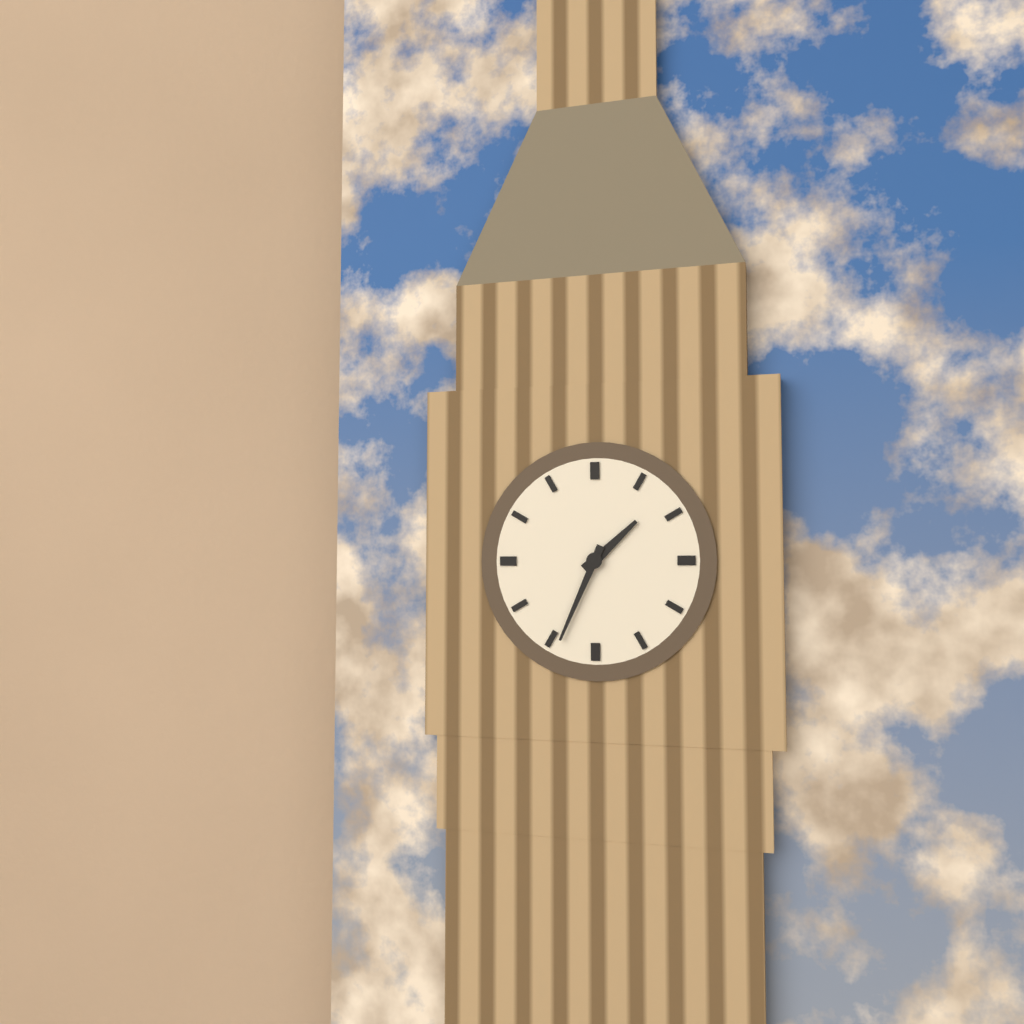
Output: 1h34
